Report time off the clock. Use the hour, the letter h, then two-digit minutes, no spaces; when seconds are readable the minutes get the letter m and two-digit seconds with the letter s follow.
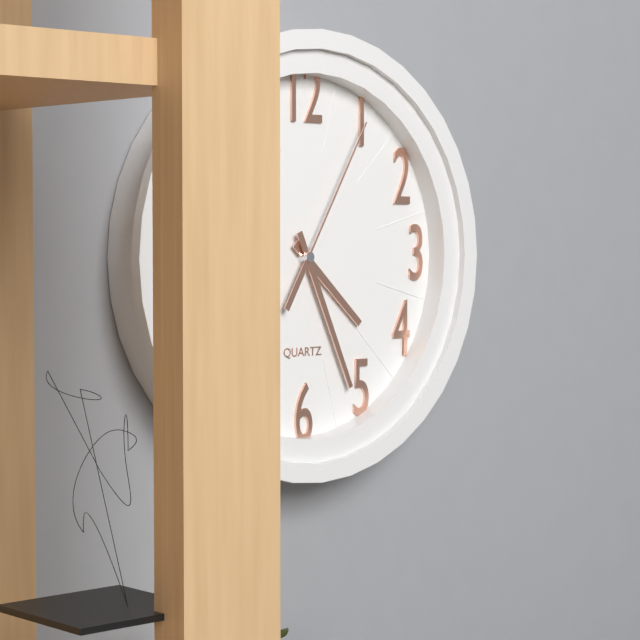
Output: 4h26m05s
